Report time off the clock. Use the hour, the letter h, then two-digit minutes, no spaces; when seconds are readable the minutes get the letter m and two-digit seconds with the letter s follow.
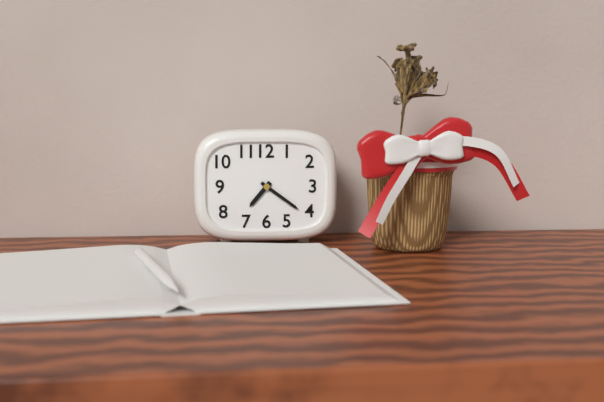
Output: 7h21
